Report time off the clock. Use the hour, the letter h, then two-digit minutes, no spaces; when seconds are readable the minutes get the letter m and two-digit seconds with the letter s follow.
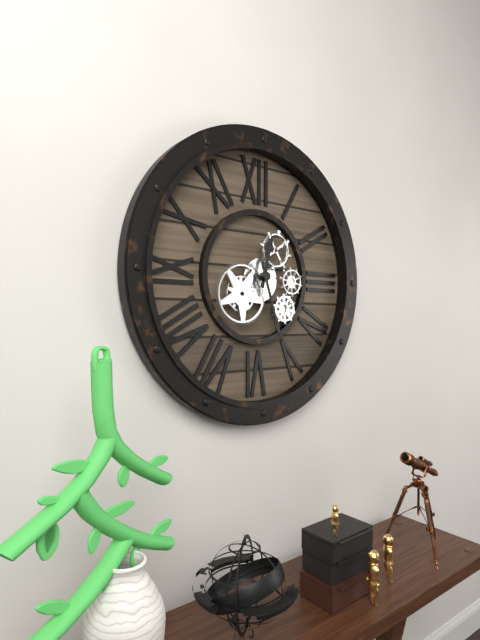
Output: 12h27
